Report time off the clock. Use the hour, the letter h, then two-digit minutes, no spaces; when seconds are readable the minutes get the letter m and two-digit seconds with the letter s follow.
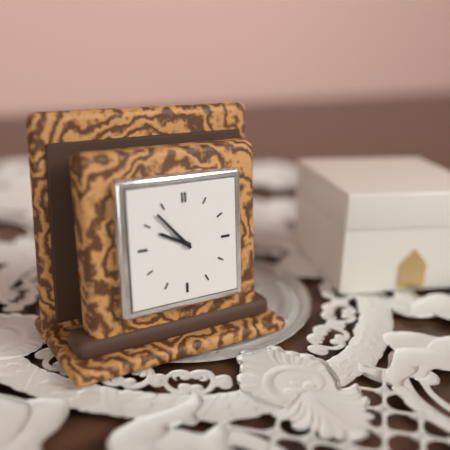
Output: 9h53
